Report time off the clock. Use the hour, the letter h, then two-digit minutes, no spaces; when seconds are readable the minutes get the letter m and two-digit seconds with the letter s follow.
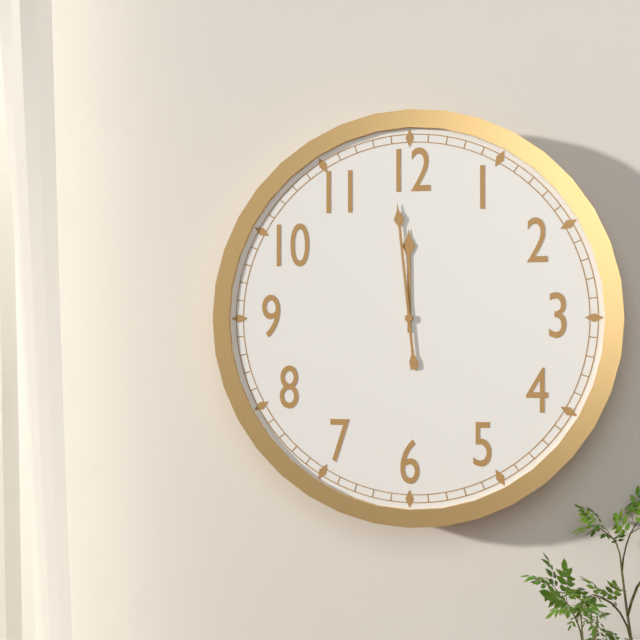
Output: 11h59
